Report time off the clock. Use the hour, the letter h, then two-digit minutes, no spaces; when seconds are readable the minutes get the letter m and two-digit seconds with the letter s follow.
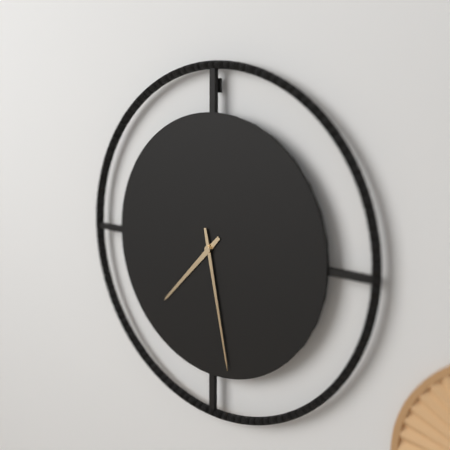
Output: 7h28
